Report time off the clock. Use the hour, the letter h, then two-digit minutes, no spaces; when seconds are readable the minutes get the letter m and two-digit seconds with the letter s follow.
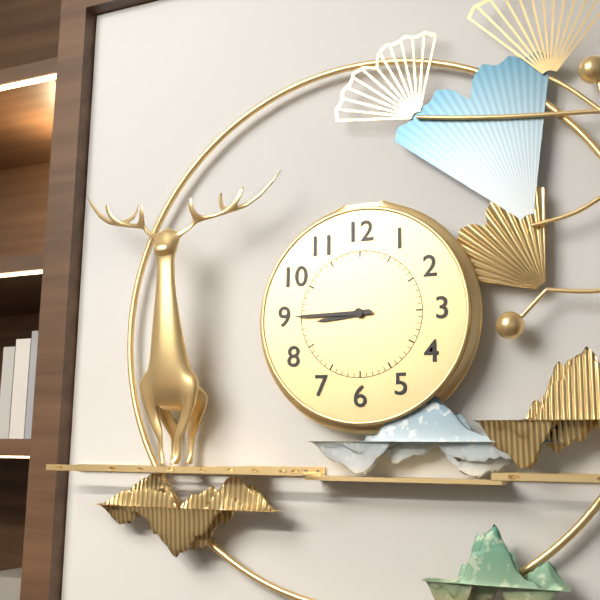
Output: 8h45
